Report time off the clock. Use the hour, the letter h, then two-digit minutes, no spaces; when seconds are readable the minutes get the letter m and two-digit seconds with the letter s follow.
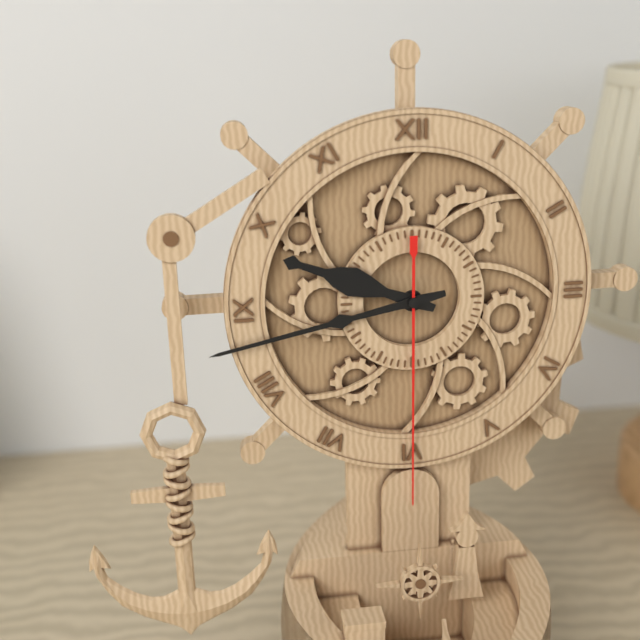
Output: 9h43m30s
